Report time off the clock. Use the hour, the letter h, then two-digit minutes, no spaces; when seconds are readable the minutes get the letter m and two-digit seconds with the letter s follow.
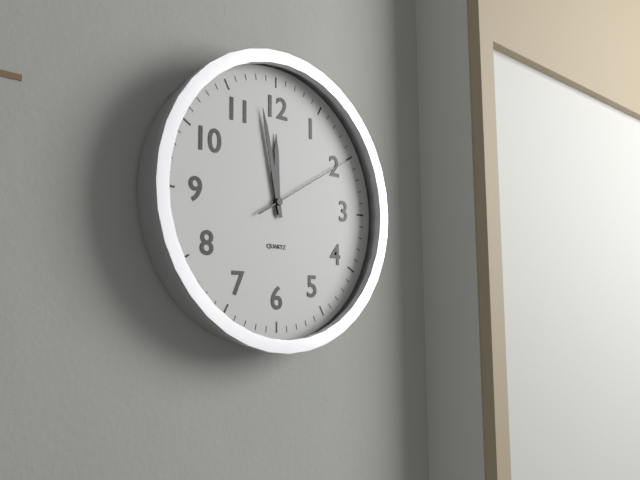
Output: 11h58m10s
